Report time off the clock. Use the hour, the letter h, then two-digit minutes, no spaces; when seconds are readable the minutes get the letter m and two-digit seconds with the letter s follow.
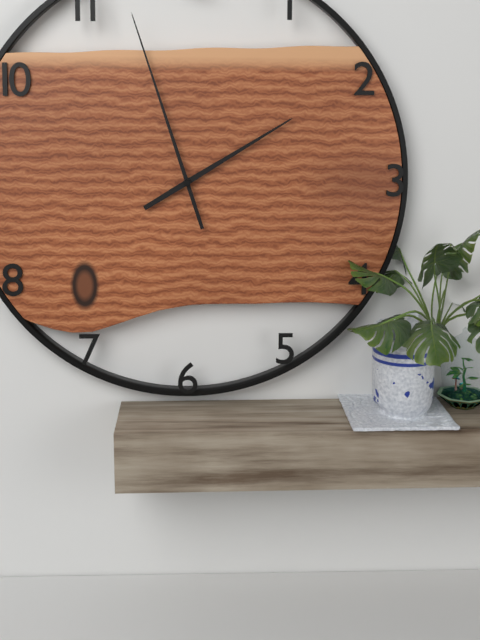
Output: 1h57
